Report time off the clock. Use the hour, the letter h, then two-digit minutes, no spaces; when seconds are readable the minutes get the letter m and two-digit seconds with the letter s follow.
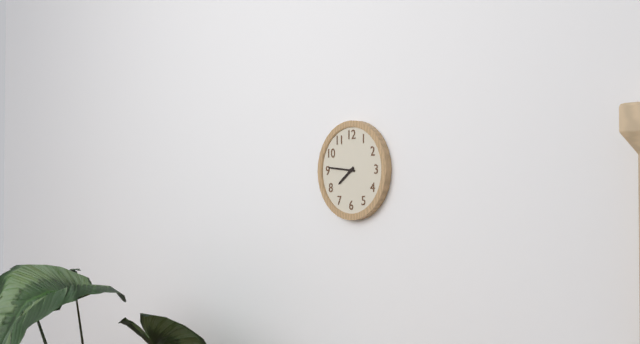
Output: 7h46
